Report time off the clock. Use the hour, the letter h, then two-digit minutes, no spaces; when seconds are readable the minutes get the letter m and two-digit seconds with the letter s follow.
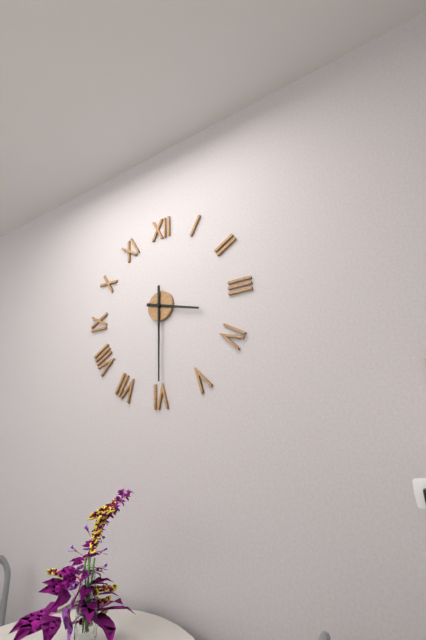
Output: 3h30
